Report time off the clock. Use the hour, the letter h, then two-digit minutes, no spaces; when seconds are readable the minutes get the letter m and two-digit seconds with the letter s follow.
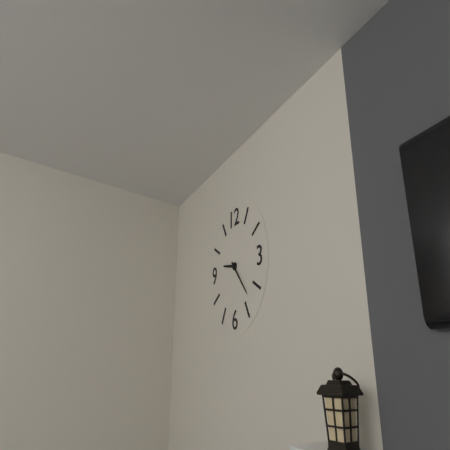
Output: 9h23
